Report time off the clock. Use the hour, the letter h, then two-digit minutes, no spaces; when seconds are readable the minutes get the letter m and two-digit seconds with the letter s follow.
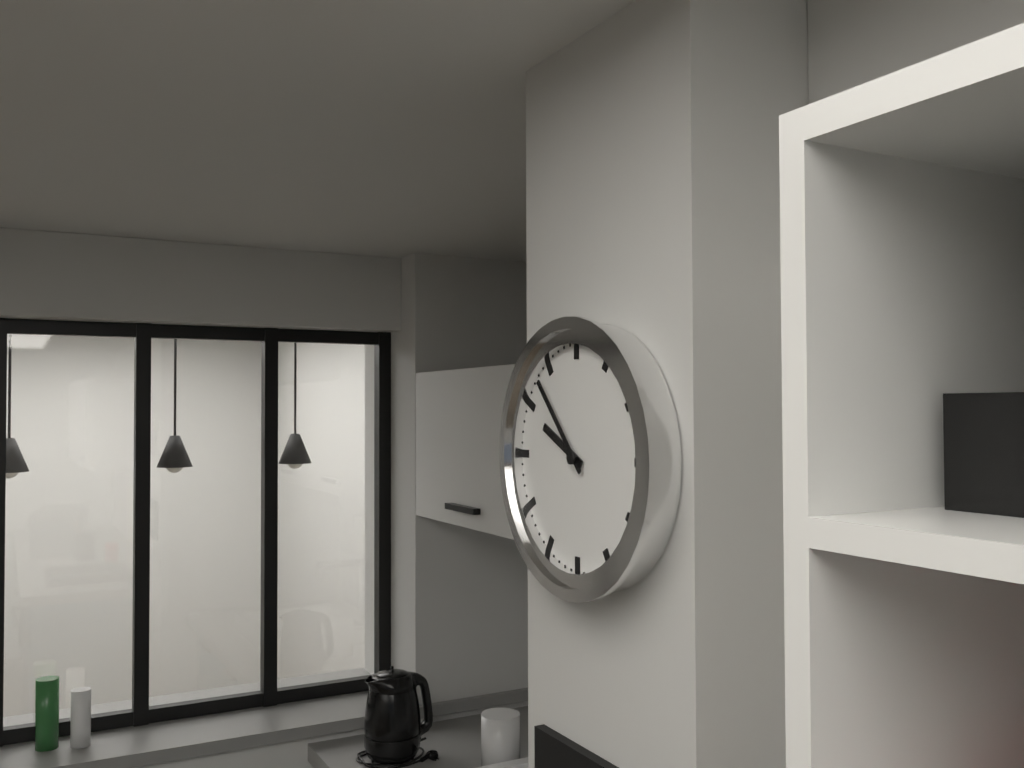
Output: 9h53
